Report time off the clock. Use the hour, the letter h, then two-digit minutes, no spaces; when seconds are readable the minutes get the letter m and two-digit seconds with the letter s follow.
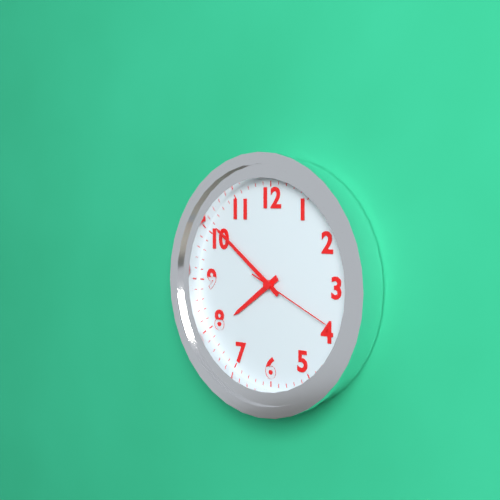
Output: 7h51m19s
